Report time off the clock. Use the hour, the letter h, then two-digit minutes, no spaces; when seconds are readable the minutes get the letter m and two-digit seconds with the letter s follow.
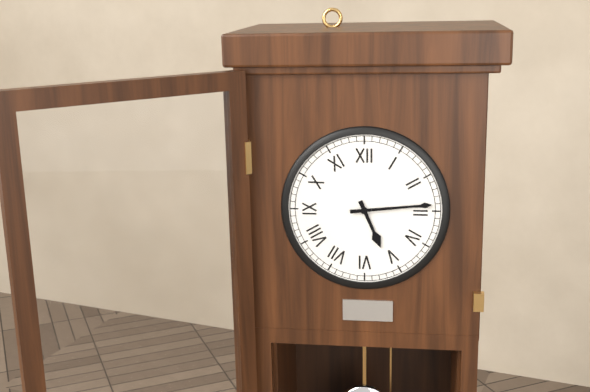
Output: 5h14
